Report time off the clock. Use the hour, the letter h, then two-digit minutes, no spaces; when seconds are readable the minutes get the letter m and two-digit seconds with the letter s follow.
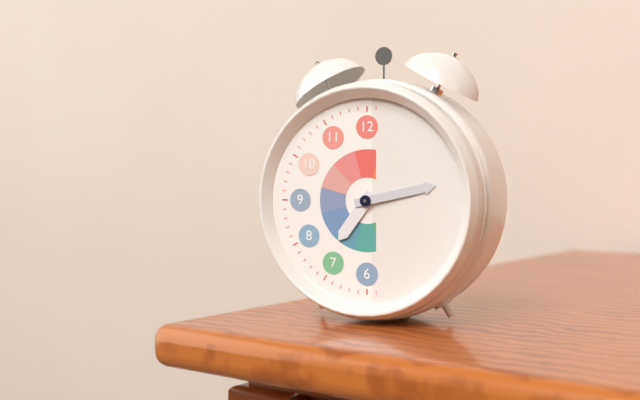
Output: 7h13
